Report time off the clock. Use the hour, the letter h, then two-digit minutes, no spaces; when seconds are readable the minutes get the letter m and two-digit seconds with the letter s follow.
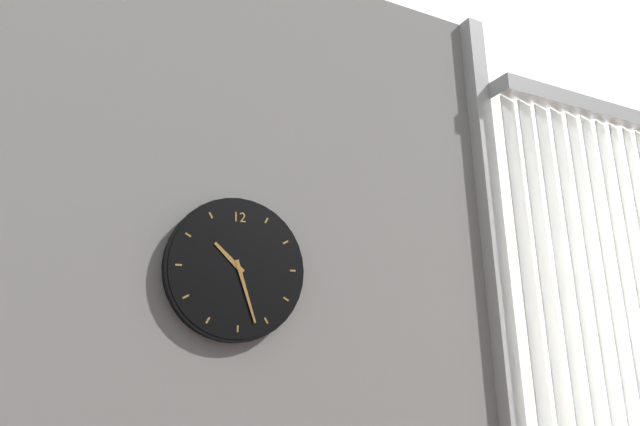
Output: 10h27
